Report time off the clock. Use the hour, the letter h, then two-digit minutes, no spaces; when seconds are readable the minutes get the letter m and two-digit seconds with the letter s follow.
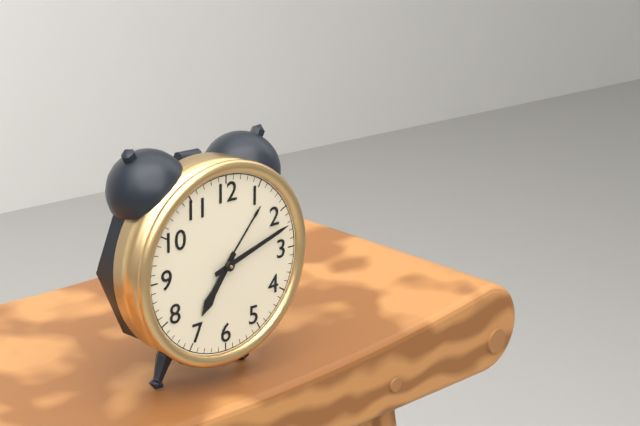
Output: 7h12
